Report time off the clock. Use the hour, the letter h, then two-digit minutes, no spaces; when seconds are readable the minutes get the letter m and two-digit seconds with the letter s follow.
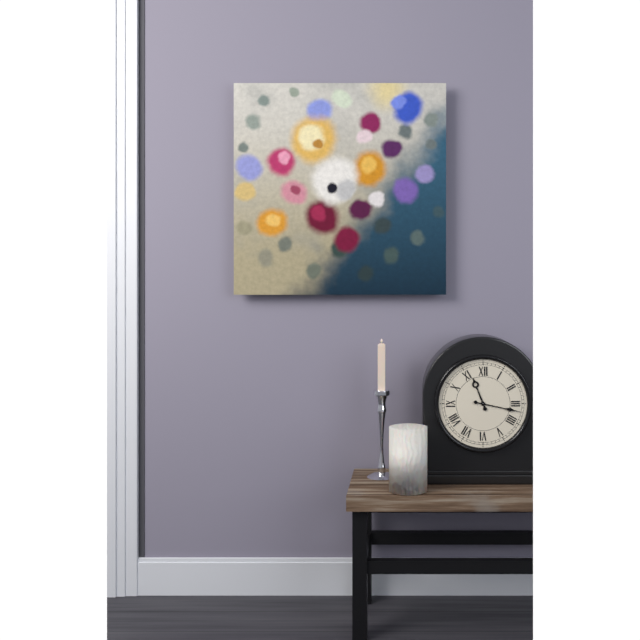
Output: 11h17
